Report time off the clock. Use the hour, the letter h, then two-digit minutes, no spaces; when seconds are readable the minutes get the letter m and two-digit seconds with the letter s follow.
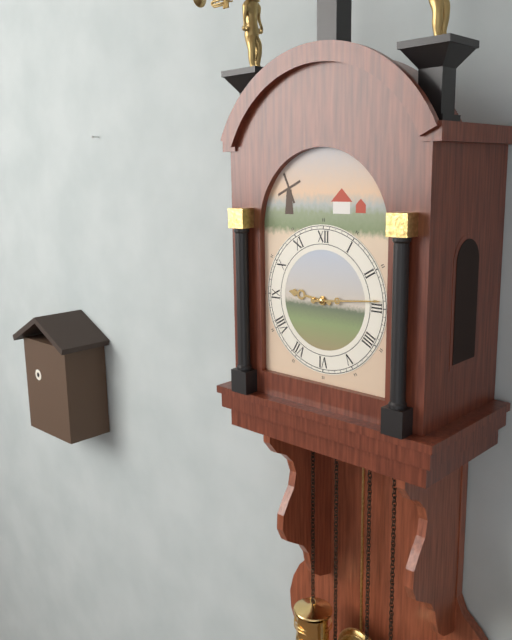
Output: 9h14
